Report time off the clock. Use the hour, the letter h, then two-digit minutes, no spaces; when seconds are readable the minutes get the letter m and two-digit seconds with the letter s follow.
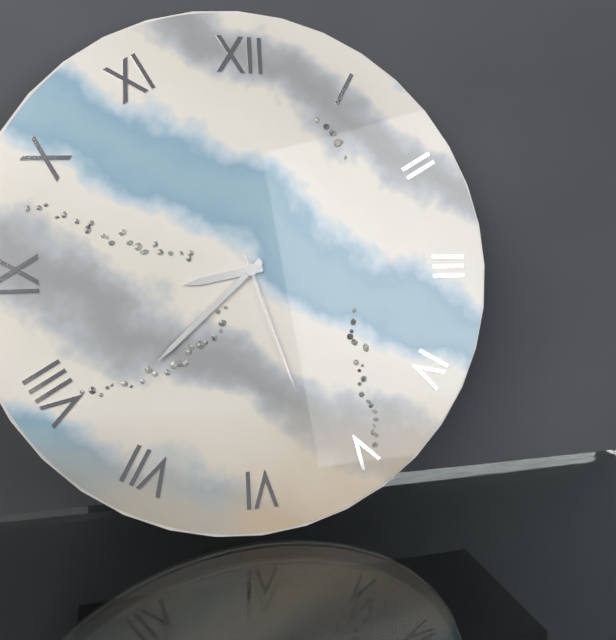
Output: 8h38m27s
